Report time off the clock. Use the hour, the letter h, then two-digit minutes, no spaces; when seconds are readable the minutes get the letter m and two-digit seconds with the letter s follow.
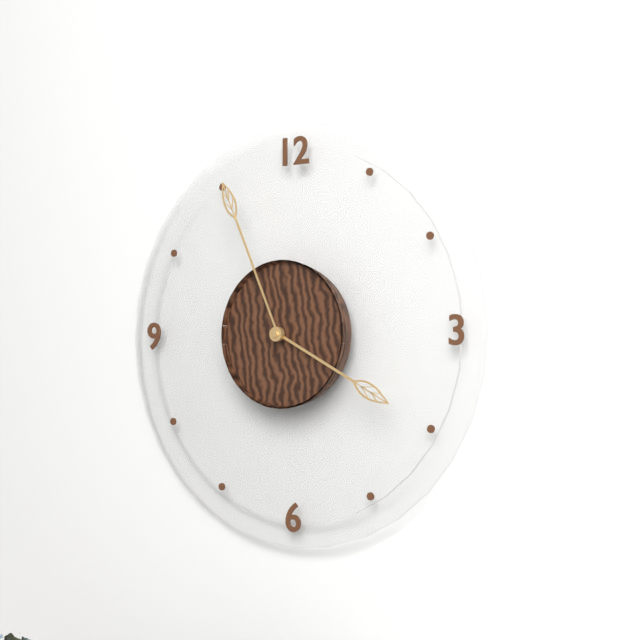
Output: 3h56
